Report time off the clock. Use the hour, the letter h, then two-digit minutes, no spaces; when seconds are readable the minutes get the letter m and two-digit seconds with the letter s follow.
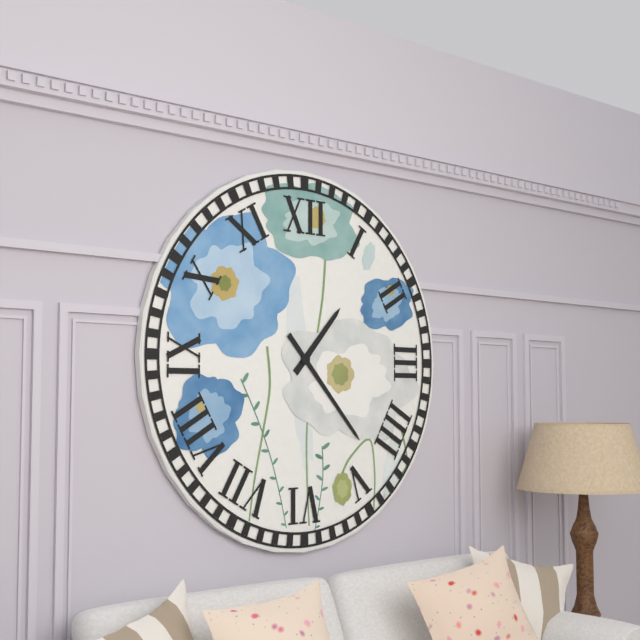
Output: 1h23
